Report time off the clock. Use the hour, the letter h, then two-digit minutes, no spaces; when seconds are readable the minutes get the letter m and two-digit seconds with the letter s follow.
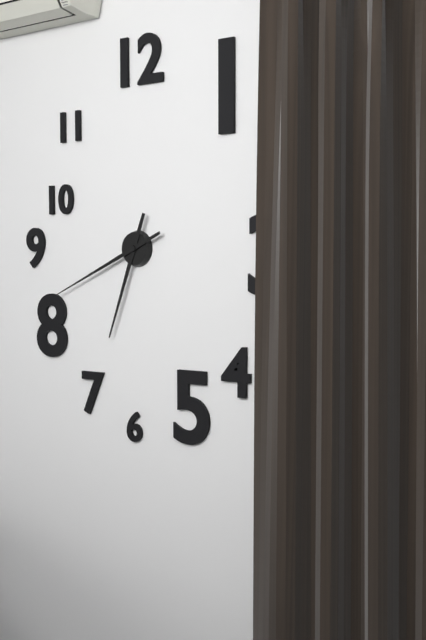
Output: 6h41
